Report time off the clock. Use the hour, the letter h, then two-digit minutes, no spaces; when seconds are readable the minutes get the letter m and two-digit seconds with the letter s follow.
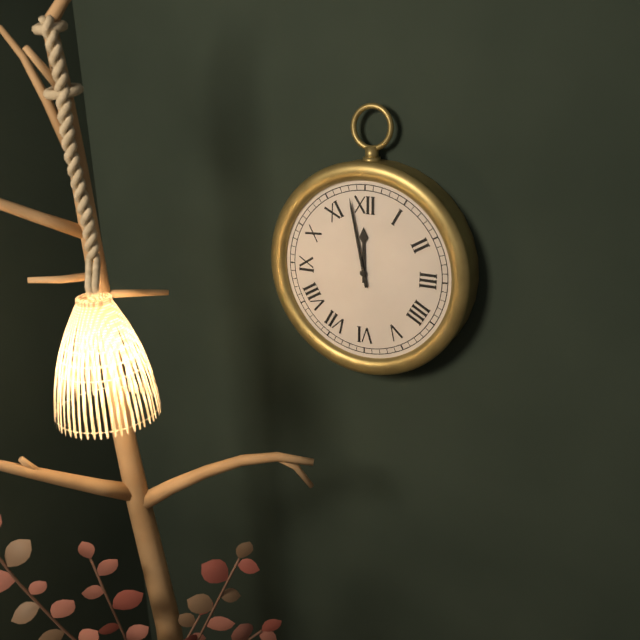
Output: 11h58
